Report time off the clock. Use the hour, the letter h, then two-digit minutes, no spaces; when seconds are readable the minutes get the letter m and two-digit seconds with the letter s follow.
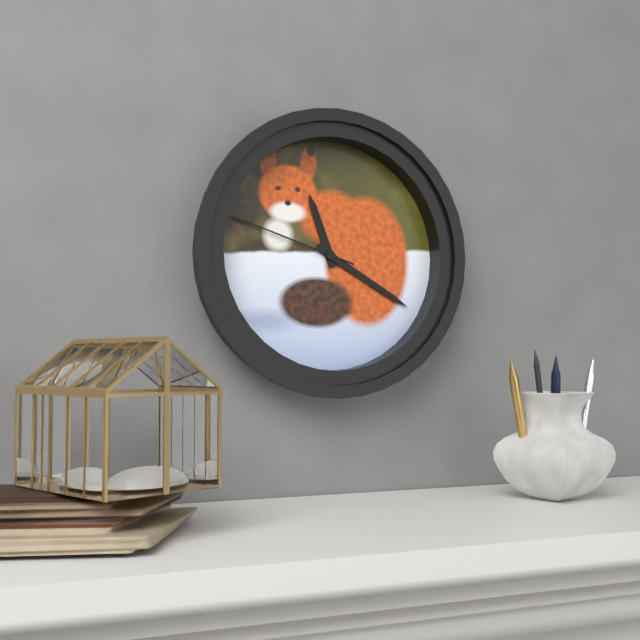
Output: 11h20m48s
